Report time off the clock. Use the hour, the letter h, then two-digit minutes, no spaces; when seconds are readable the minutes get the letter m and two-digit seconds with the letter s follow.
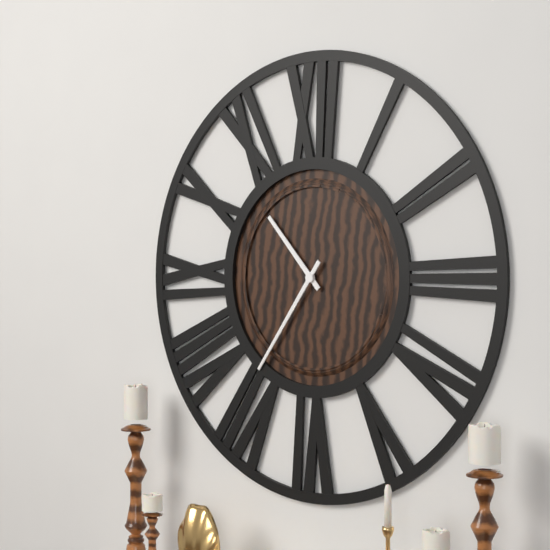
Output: 10h36
